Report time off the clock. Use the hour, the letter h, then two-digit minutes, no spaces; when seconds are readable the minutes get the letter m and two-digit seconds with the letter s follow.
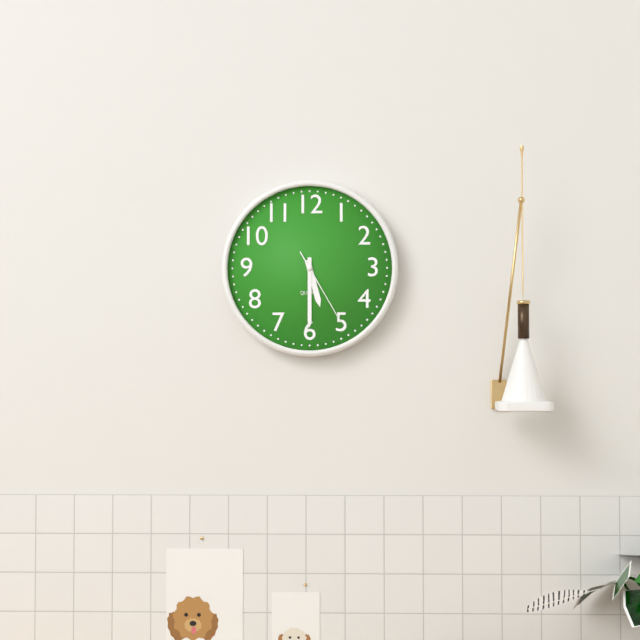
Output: 5h30m25s
